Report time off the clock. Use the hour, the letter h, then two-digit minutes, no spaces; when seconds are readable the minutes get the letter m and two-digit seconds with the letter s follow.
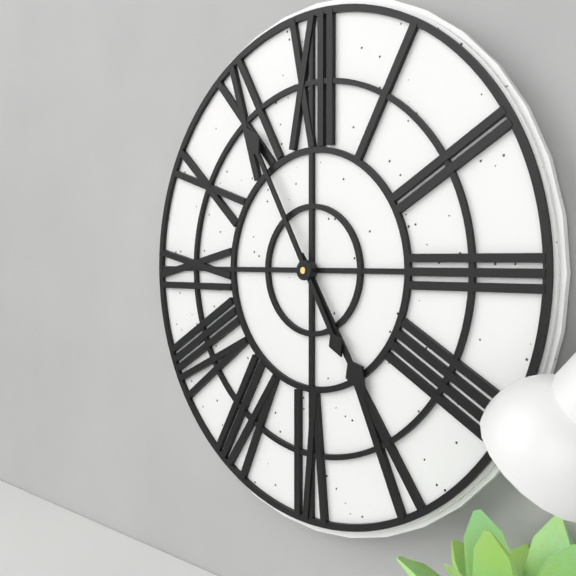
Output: 4h55
